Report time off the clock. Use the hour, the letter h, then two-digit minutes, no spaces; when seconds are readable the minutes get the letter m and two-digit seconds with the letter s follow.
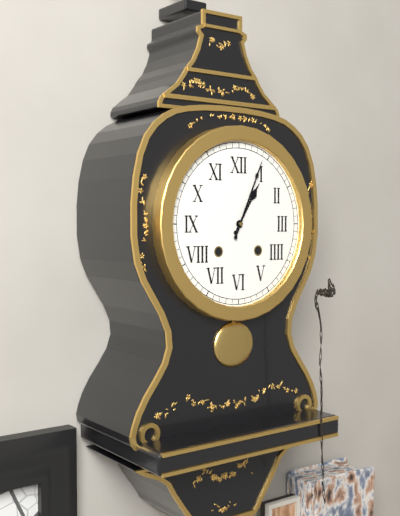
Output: 1h04
